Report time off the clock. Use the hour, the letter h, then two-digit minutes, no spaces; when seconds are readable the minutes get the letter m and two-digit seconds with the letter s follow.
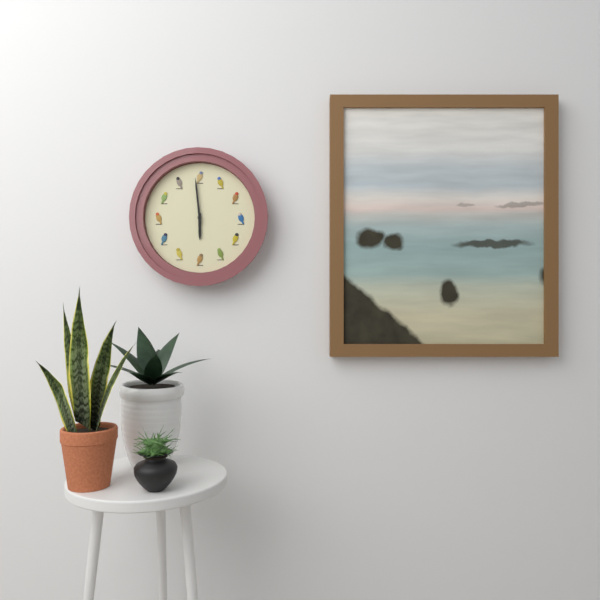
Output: 5h59
